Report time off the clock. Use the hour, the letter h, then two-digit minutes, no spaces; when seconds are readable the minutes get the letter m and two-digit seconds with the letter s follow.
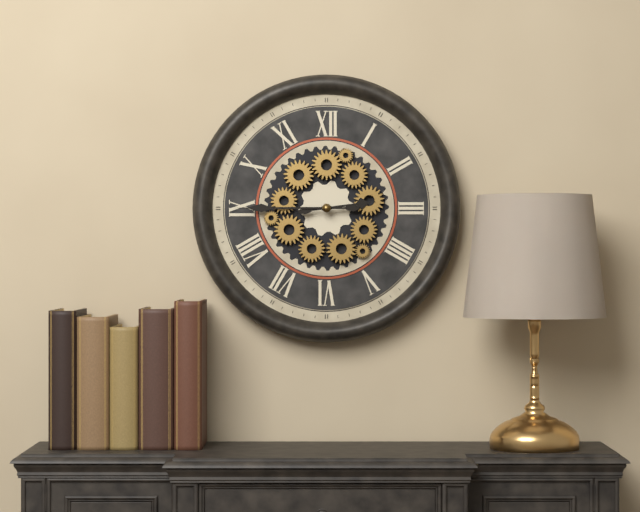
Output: 2h45
